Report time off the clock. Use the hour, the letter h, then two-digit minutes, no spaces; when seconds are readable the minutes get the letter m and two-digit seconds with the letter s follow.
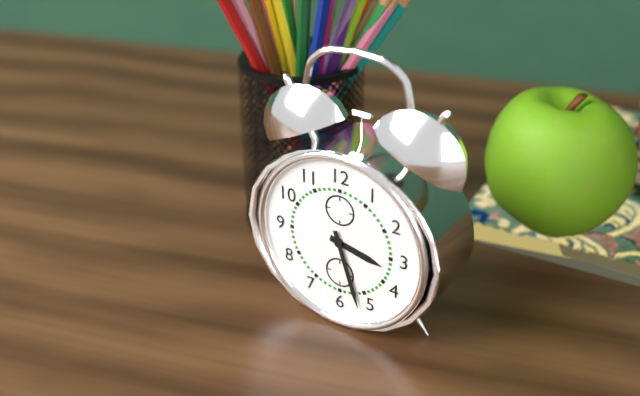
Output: 3h27
